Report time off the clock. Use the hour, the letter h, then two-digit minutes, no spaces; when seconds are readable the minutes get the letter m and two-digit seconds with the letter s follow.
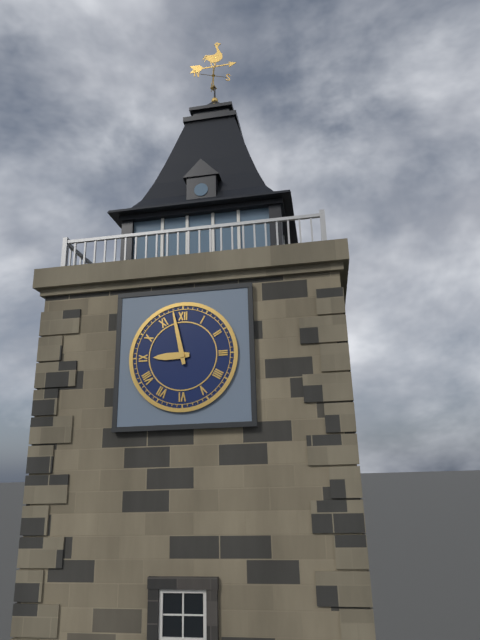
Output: 8h58
